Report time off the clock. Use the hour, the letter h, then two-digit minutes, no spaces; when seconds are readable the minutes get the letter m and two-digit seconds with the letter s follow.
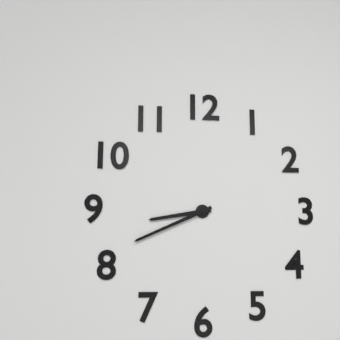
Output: 8h41
